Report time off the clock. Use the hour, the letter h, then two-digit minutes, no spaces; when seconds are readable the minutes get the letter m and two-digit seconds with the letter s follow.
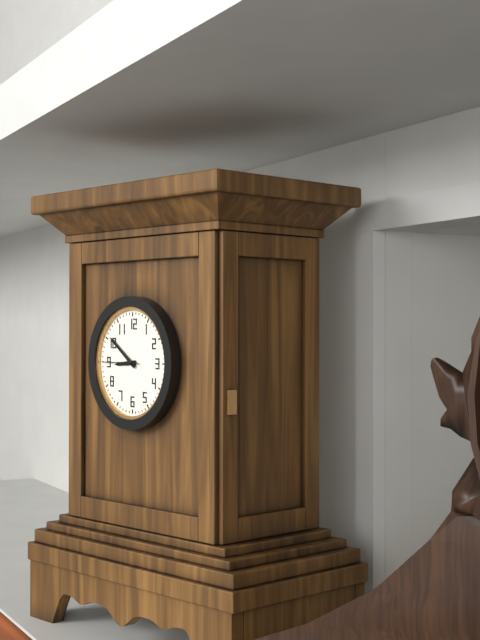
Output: 8h51m45s
